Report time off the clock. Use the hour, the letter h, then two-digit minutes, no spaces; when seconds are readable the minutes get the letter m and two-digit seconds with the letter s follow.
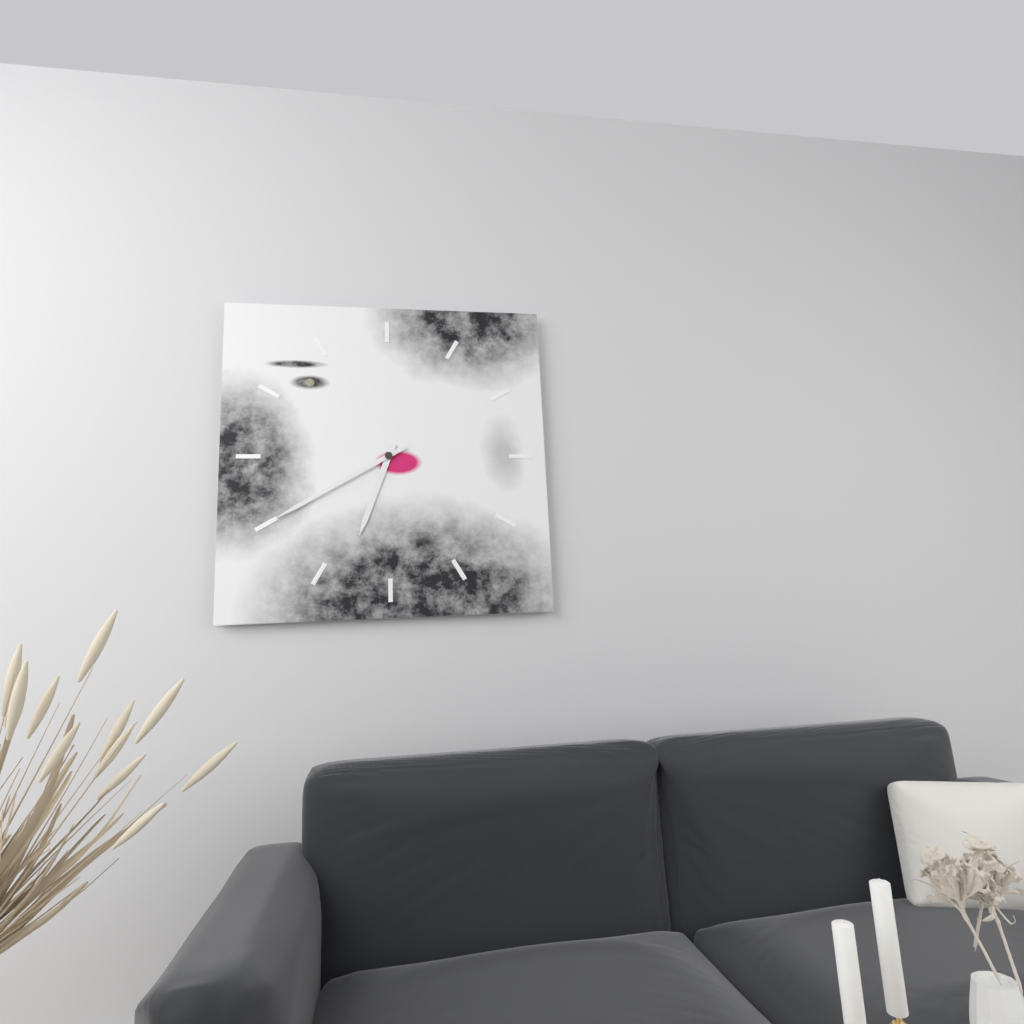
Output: 6h40
